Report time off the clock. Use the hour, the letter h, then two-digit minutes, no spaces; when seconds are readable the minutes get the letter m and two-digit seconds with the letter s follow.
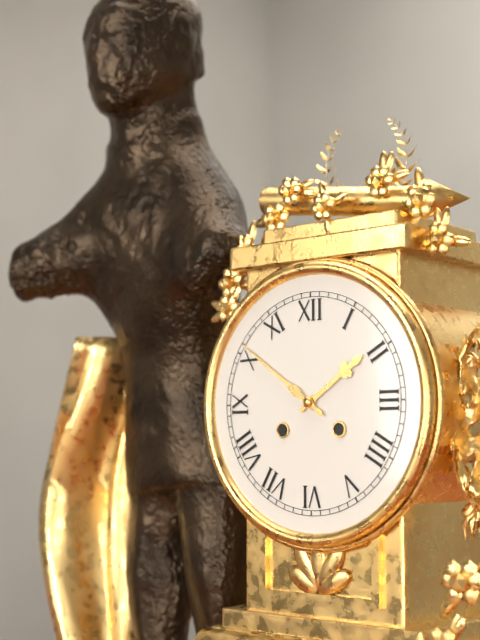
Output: 1h51
